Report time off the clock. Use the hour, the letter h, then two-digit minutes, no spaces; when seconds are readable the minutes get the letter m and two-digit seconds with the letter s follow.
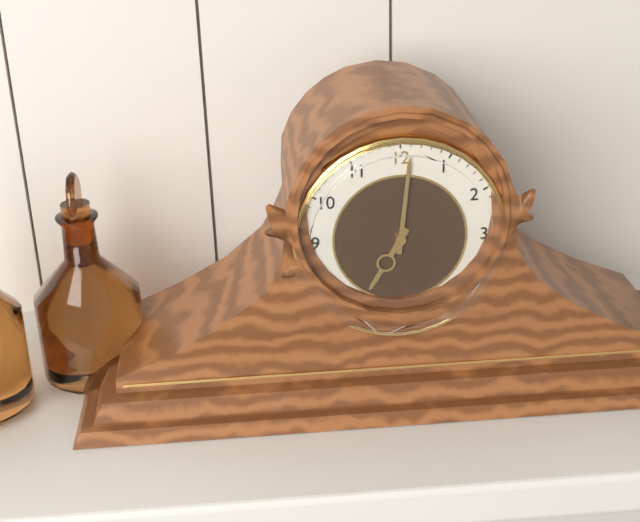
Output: 7h01
